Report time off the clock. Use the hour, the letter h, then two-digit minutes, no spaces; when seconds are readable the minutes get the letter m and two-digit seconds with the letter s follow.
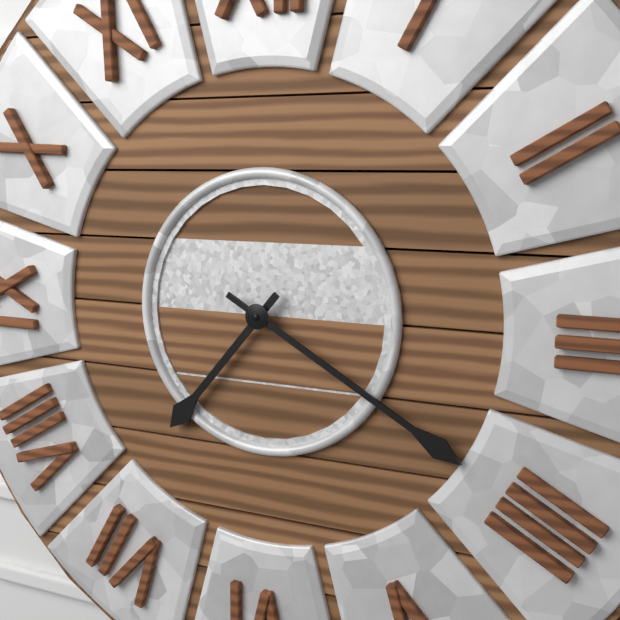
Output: 7h20
